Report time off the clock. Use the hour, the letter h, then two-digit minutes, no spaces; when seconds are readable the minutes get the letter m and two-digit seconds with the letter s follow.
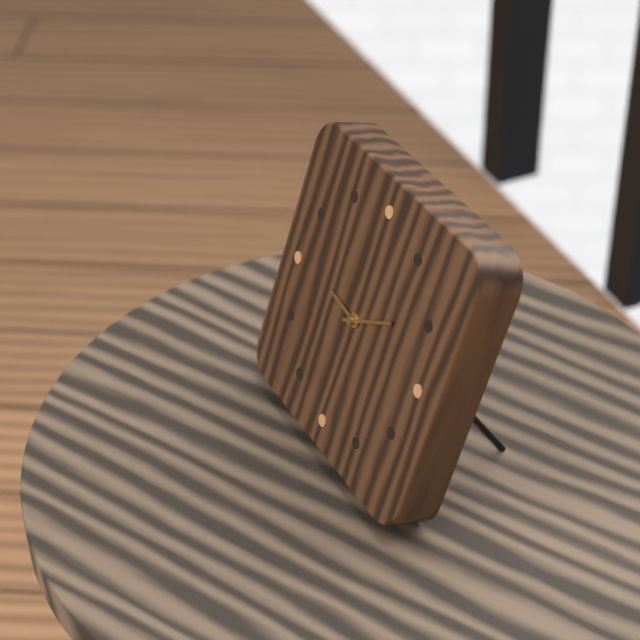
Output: 9h10
